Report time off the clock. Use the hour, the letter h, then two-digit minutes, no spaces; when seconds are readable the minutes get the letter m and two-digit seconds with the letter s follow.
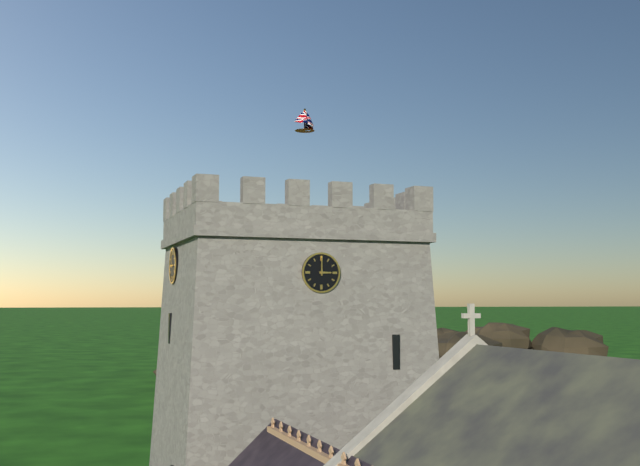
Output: 3h00
